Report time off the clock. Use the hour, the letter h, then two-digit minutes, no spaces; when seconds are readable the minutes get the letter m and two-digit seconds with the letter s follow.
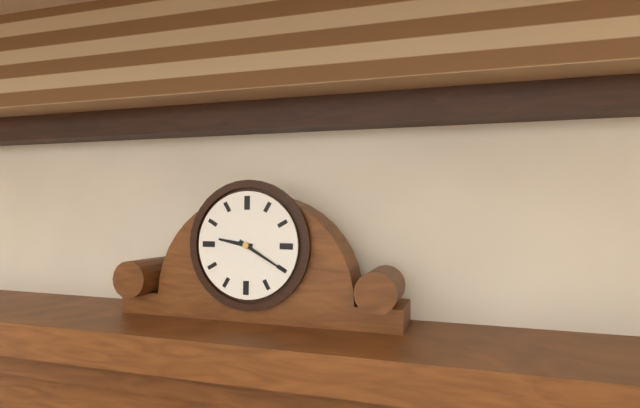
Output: 9h20
